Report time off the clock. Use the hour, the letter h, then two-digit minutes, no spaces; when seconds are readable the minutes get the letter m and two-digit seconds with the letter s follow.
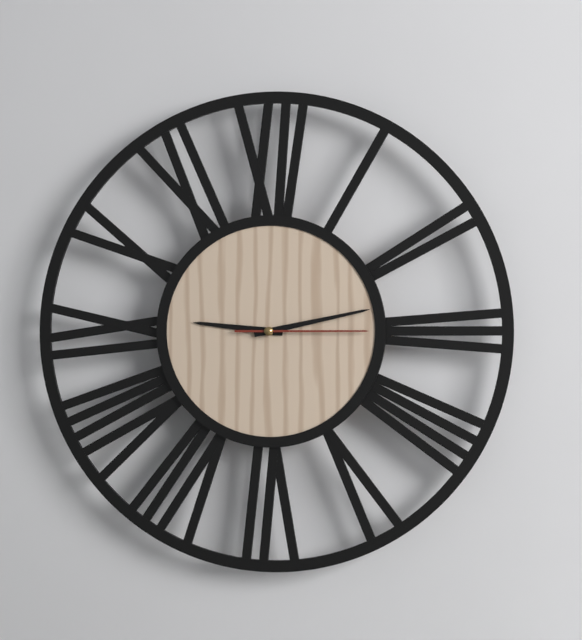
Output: 9h13m15s
